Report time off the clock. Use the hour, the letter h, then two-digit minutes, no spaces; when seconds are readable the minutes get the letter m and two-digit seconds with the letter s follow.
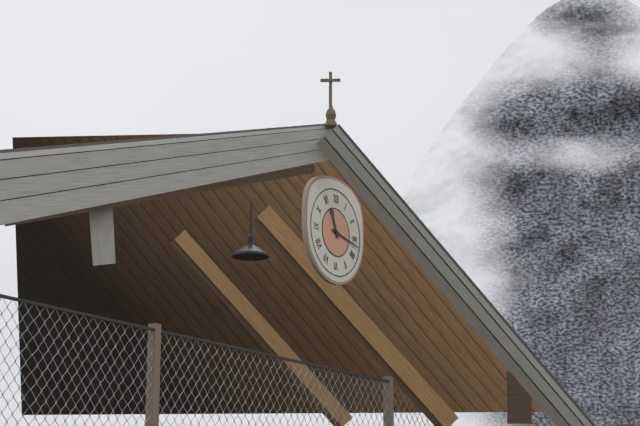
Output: 11h17
